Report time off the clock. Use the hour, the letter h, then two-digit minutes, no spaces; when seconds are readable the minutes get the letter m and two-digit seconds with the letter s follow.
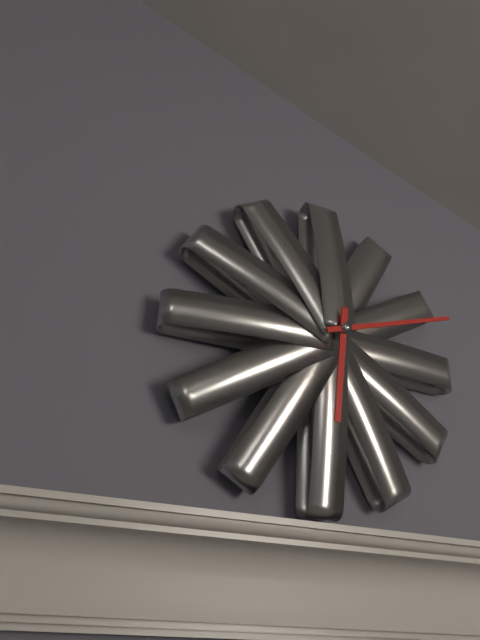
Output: 6h12
